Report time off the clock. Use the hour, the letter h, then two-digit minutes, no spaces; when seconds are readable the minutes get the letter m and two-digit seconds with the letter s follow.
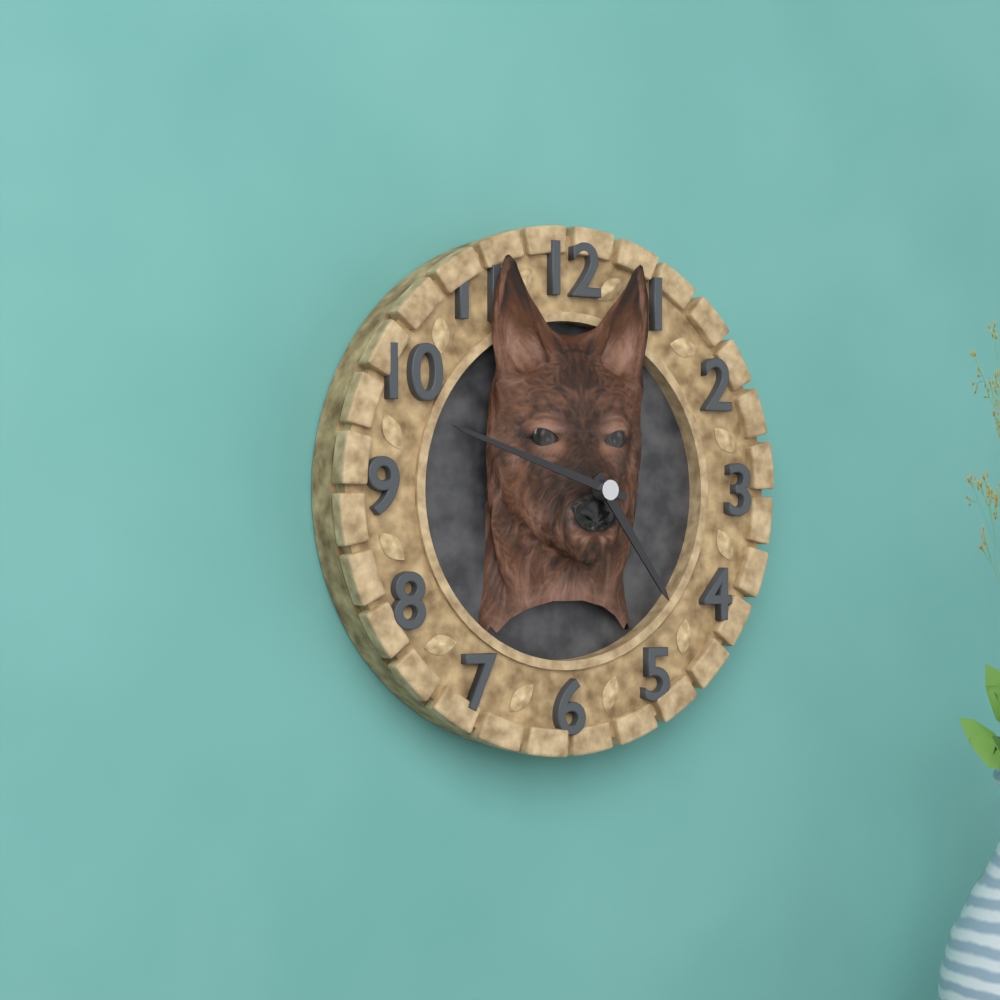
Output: 4h48
